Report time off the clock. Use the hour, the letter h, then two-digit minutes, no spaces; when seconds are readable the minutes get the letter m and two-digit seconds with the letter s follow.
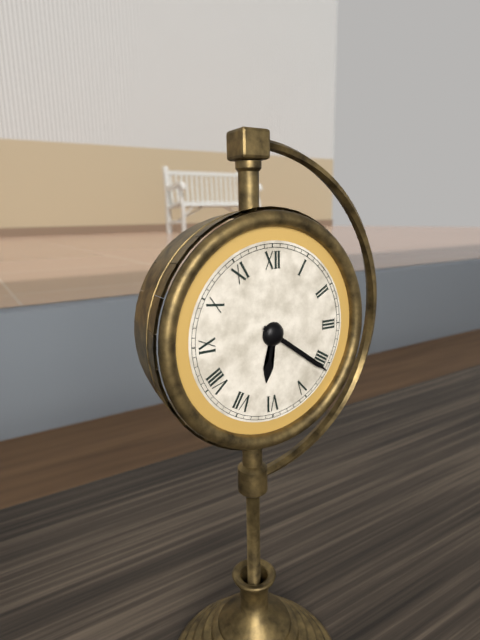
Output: 6h21
